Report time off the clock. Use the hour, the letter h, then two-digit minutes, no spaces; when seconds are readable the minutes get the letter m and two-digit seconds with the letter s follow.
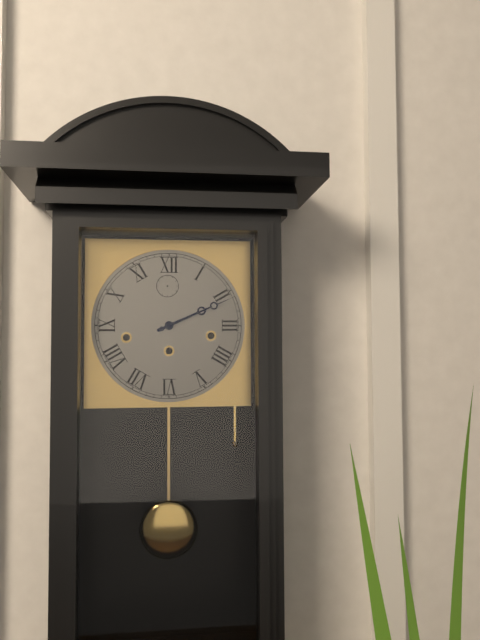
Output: 2h11
